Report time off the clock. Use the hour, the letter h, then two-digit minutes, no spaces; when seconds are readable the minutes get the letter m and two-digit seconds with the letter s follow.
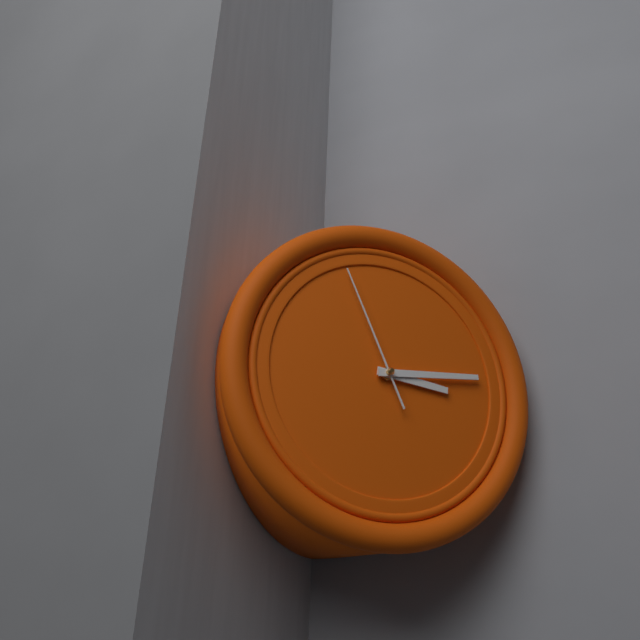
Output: 3h14m56s
